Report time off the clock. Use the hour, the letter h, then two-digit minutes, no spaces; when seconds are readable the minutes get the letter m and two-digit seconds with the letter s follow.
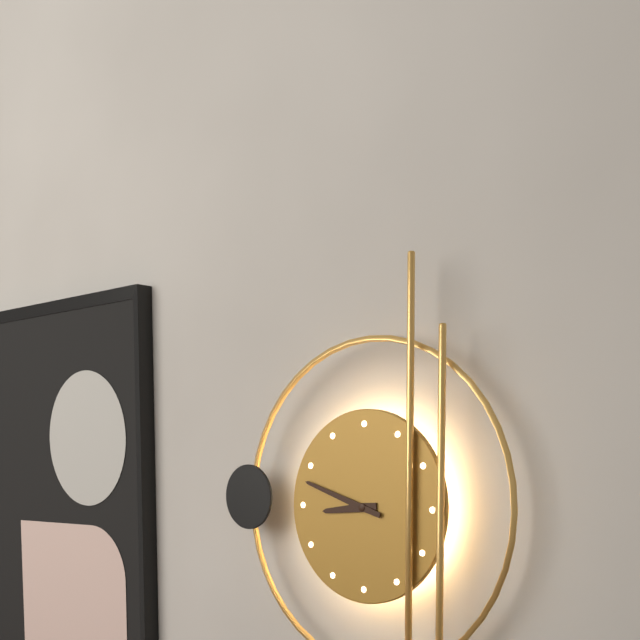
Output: 8h48
